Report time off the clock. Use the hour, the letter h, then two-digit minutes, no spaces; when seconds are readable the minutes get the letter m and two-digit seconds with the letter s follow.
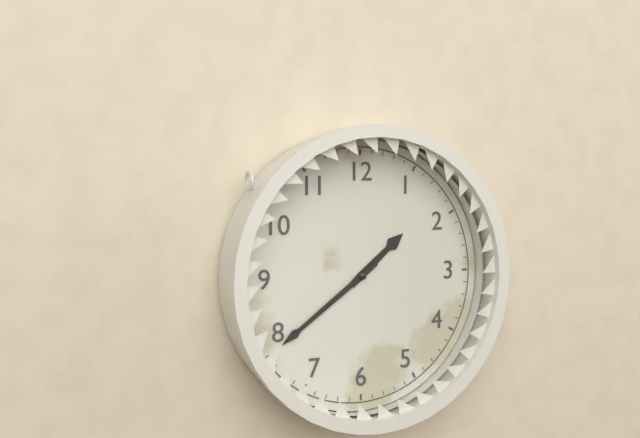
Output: 1h39
